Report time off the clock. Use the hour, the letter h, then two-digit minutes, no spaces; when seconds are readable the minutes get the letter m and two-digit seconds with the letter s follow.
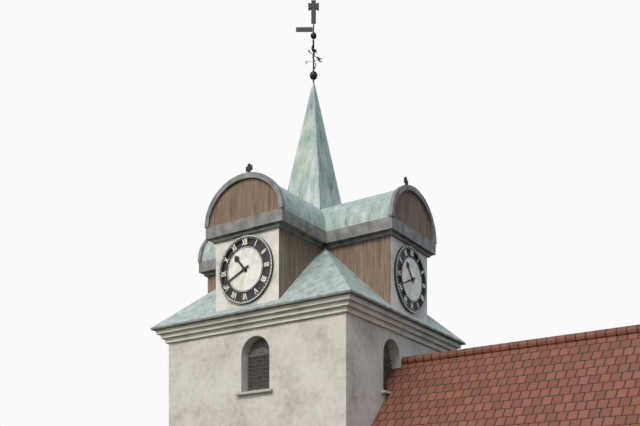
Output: 10h41
